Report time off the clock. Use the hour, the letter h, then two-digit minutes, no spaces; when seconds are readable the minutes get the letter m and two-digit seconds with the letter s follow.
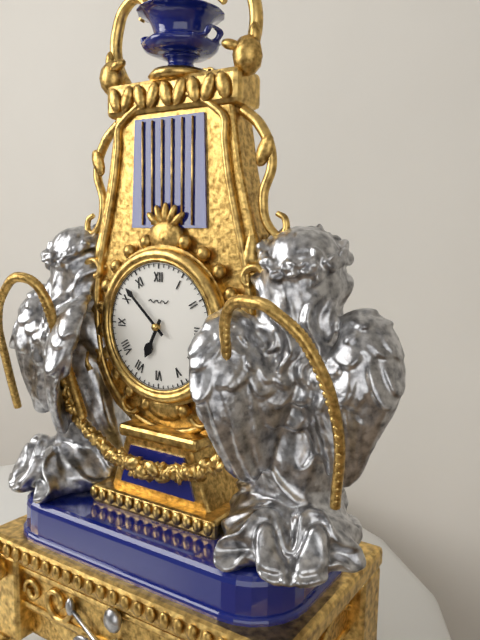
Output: 6h52
